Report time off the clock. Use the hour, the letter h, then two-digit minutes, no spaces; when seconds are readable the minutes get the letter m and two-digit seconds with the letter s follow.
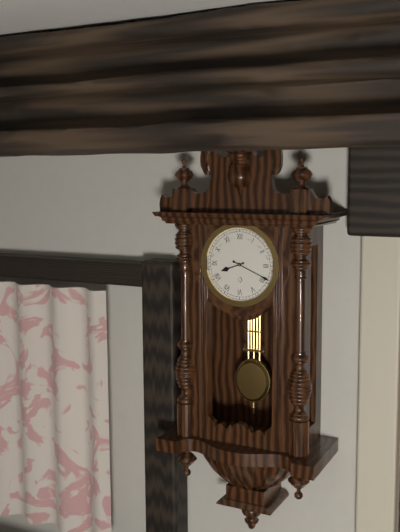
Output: 8h19
